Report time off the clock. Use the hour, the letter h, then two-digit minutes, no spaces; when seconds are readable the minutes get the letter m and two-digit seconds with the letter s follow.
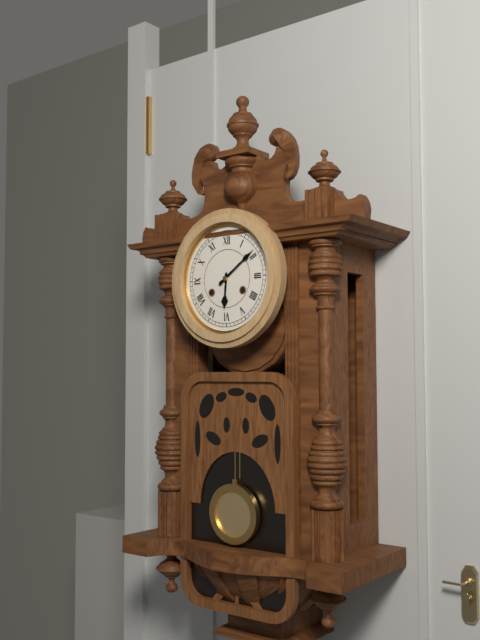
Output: 6h09
